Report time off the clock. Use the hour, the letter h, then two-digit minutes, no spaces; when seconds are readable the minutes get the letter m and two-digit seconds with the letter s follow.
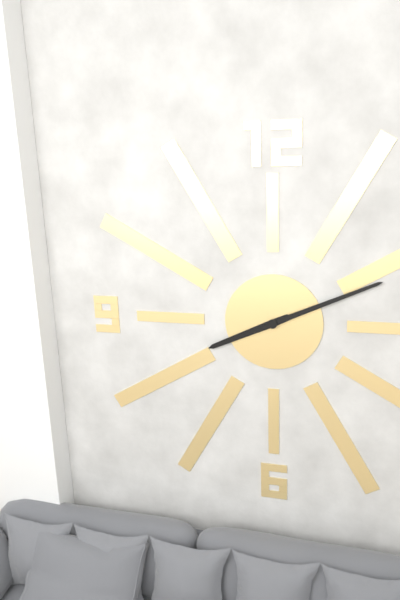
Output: 8h11
